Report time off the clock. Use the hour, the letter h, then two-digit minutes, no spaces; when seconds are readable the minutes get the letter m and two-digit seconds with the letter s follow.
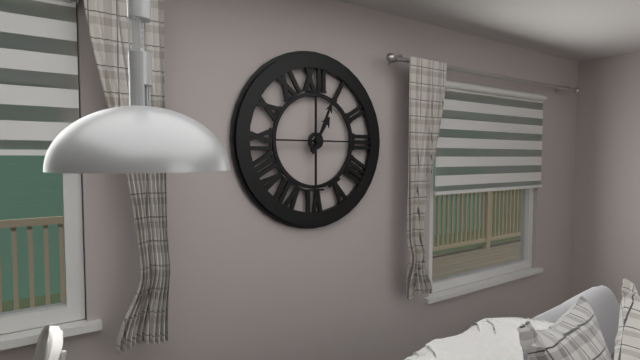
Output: 1h04
